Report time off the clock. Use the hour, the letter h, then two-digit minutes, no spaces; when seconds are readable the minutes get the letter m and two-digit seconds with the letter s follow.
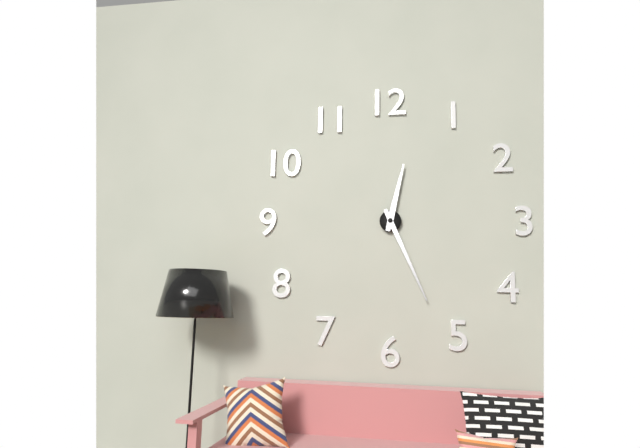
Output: 12h26
